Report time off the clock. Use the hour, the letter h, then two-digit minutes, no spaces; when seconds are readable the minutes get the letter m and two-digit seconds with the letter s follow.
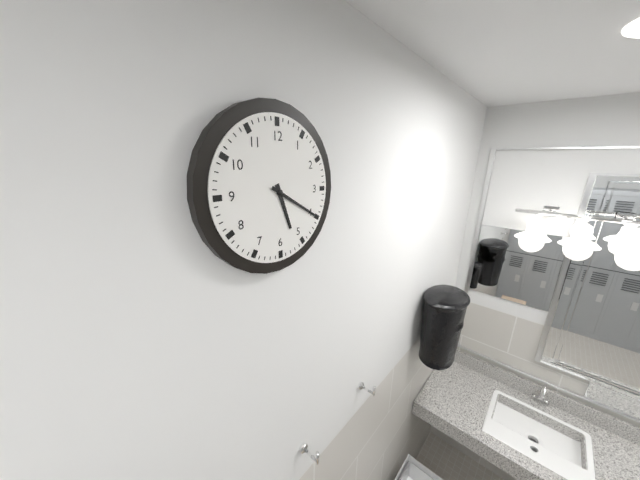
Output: 5h20
